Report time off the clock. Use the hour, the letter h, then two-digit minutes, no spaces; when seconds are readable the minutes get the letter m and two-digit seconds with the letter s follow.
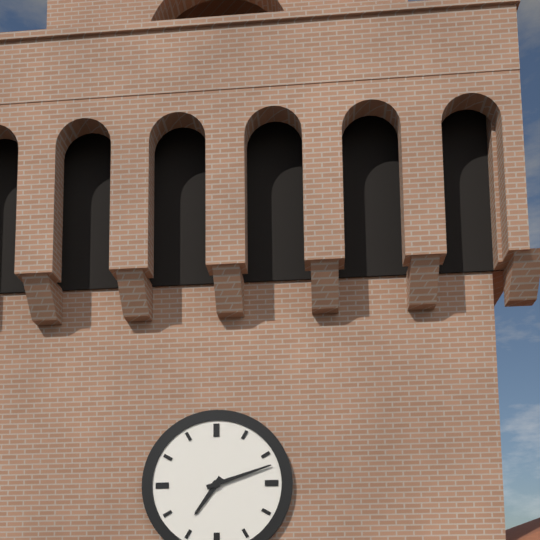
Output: 7h12
